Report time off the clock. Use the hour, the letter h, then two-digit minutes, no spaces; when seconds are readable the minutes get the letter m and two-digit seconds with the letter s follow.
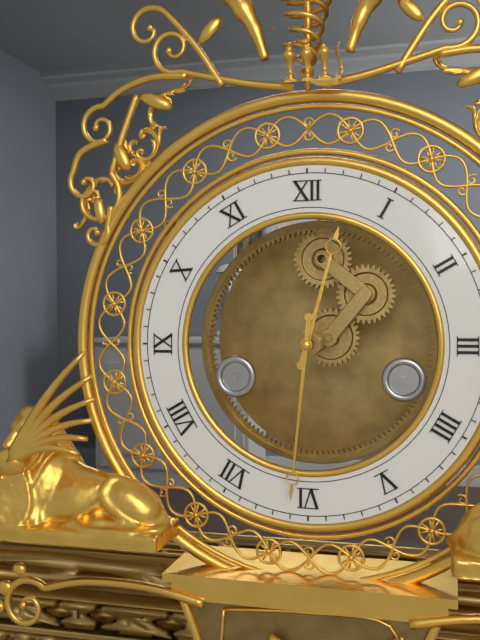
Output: 12h31
